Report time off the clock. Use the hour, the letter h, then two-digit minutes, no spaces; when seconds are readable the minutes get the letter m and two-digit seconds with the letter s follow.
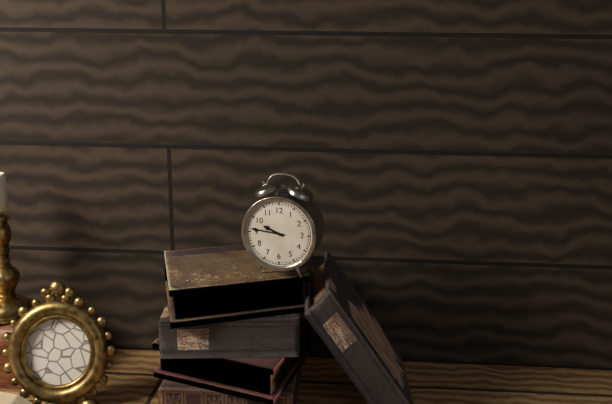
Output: 9h46
